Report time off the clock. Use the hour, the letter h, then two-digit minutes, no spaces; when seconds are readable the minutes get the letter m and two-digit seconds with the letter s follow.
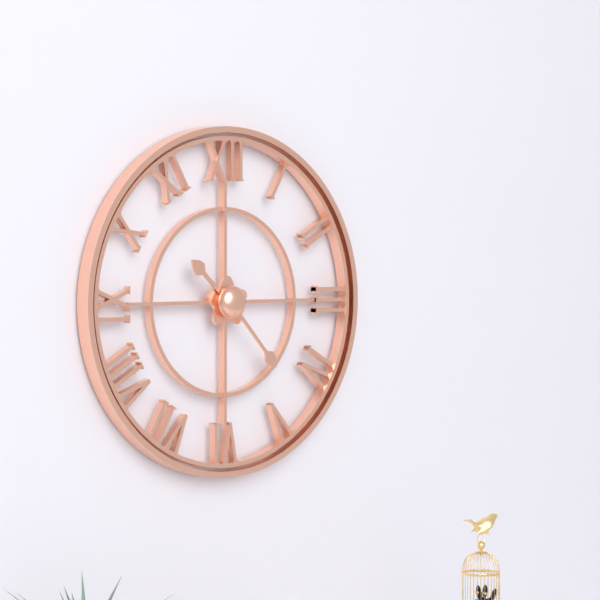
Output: 10h23
